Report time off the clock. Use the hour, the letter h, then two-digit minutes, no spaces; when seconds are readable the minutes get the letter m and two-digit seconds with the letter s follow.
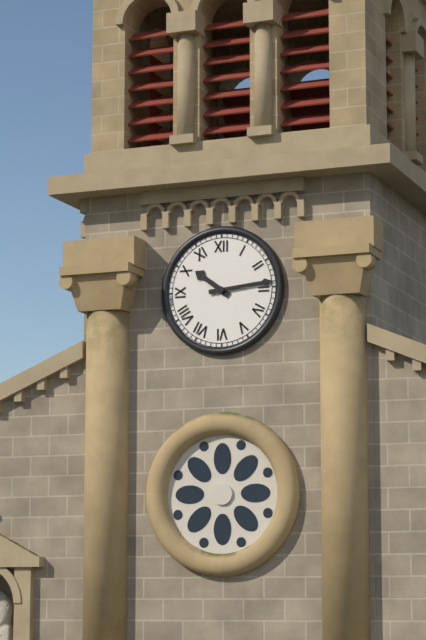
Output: 10h14
